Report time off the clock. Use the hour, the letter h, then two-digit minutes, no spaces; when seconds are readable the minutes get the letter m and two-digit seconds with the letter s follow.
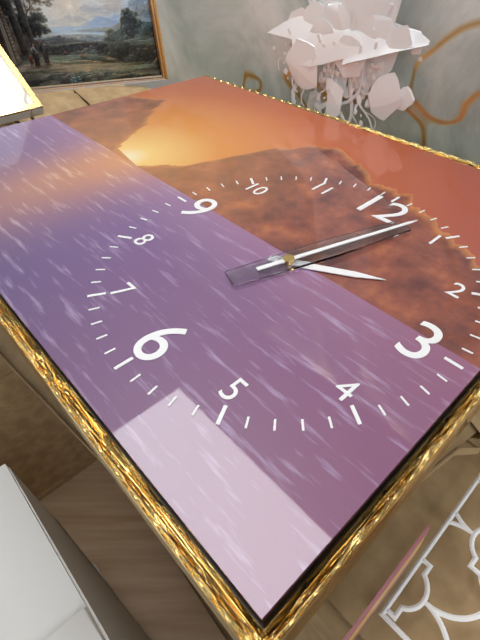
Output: 2h03
